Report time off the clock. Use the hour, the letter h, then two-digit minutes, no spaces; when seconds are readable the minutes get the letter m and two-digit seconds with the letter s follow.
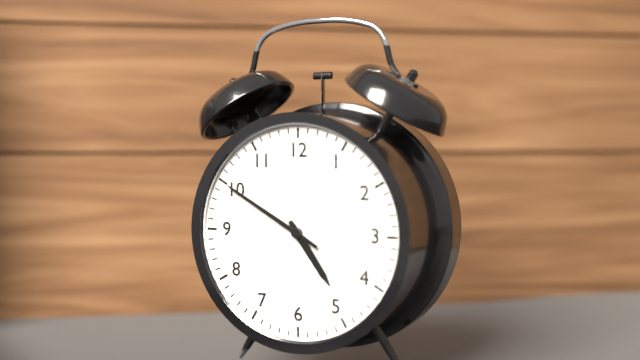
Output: 4h50
